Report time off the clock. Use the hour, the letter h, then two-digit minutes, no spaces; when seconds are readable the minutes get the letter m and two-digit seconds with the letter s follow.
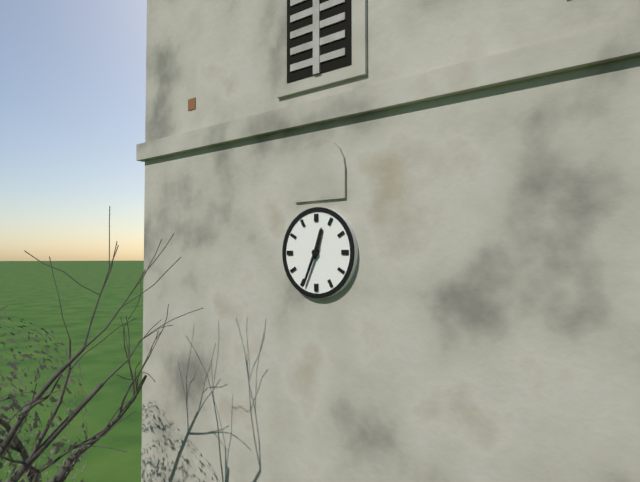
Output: 12h34
